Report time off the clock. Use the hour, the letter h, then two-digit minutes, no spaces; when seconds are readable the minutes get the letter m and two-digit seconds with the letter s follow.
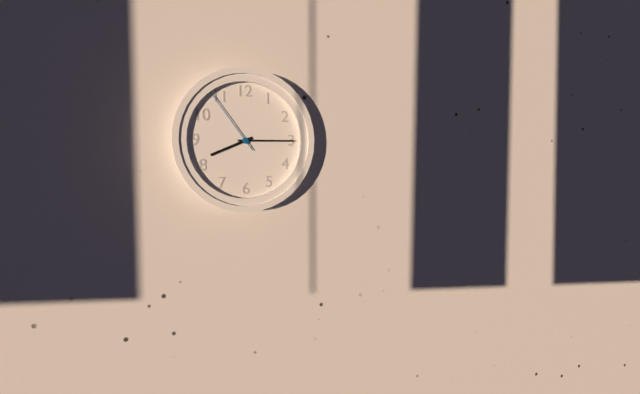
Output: 8h15m54s
